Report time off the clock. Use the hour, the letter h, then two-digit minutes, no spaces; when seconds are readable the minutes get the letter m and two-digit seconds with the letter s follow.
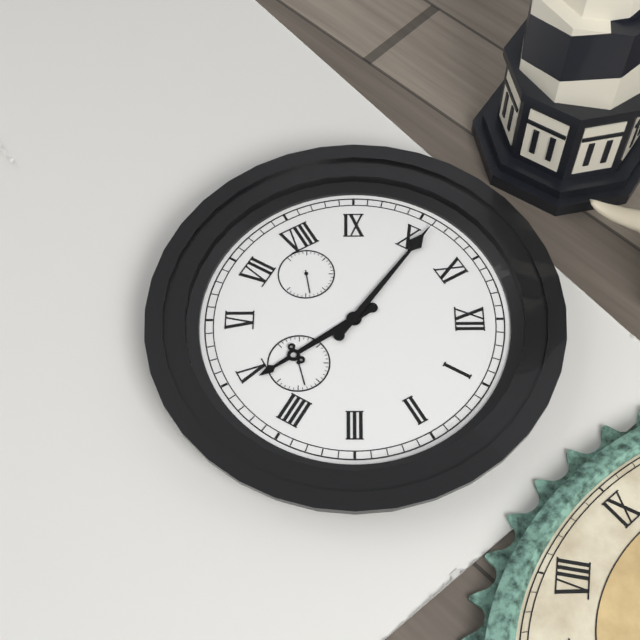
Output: 4h51
